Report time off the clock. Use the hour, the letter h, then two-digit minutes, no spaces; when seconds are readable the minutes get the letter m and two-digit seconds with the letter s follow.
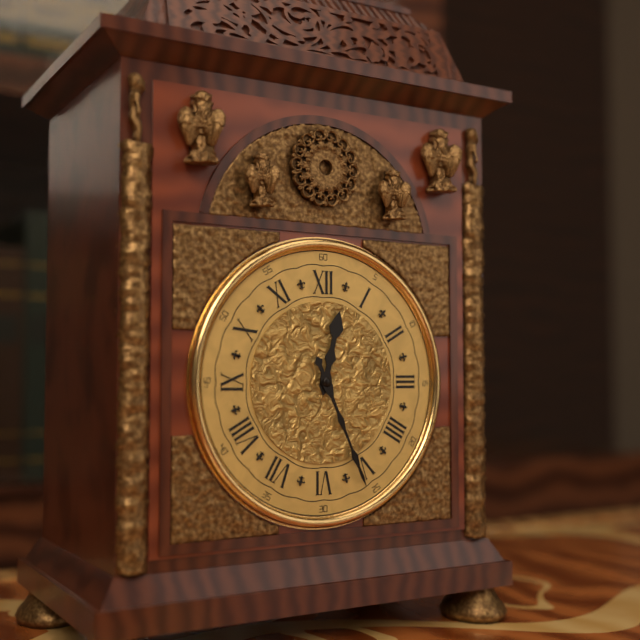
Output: 12h26
